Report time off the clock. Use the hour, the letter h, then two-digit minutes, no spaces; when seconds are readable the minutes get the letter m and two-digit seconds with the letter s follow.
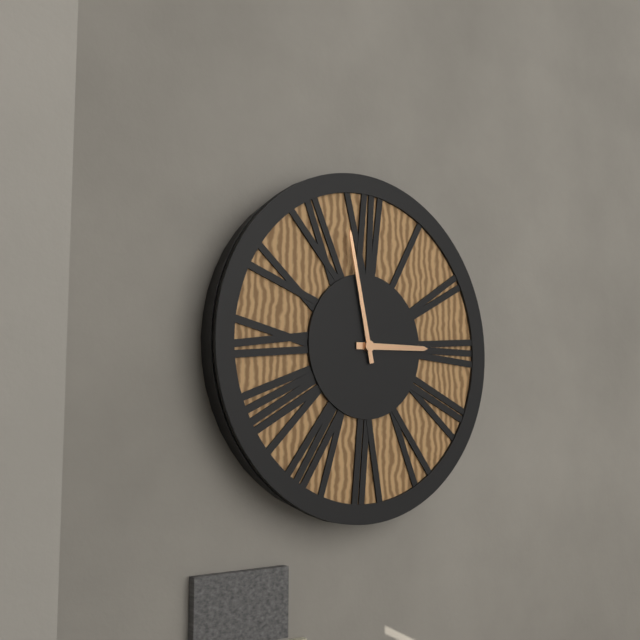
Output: 2h58
